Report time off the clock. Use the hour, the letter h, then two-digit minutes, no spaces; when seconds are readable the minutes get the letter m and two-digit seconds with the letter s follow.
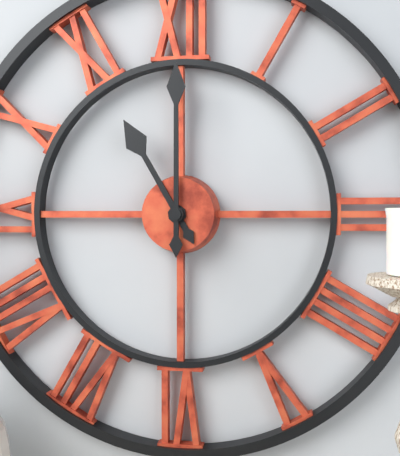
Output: 11h00
